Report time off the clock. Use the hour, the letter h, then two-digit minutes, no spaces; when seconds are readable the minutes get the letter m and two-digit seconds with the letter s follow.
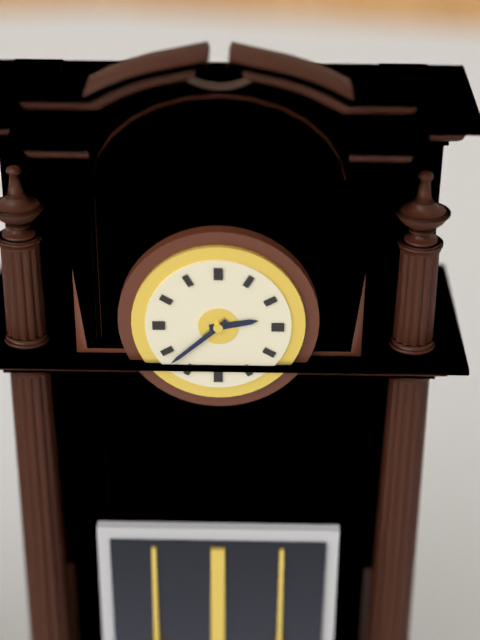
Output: 2h38
